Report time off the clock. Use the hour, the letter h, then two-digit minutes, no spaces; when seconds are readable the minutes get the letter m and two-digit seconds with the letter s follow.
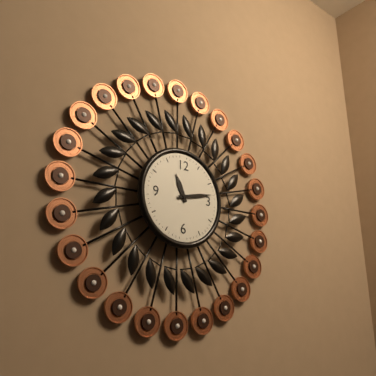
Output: 11h13
